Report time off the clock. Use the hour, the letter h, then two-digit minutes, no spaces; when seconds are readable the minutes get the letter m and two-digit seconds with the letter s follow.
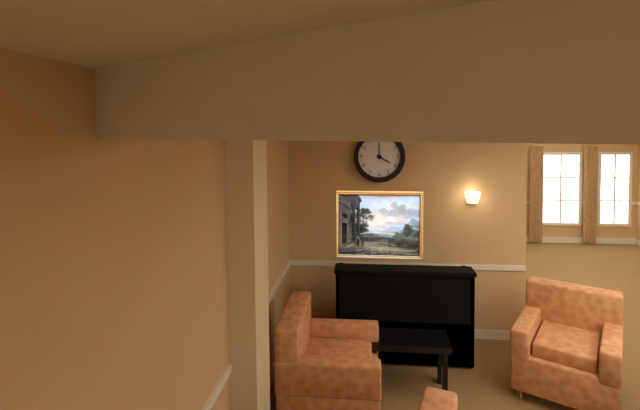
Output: 4h00
